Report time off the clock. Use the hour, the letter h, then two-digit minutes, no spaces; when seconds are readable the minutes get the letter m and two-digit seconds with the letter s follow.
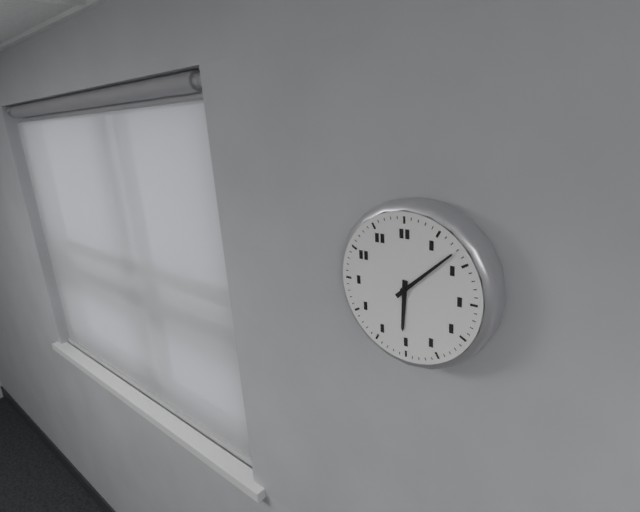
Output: 6h08
